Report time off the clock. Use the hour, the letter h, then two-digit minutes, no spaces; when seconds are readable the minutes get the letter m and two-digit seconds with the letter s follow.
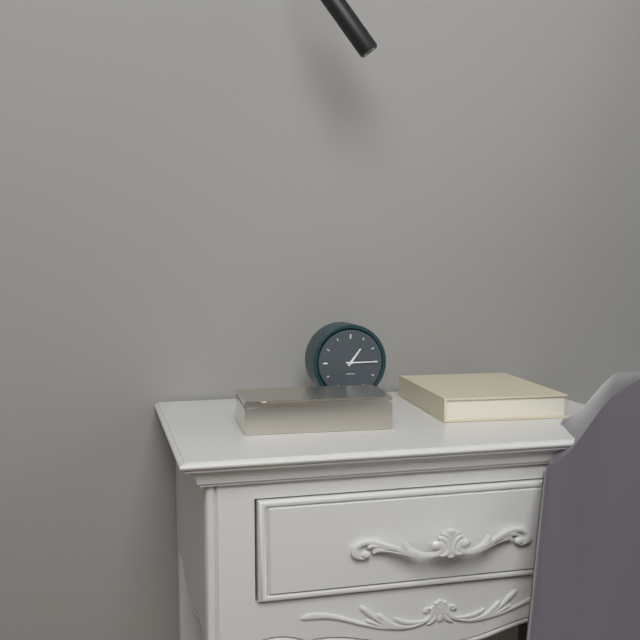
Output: 1h15
